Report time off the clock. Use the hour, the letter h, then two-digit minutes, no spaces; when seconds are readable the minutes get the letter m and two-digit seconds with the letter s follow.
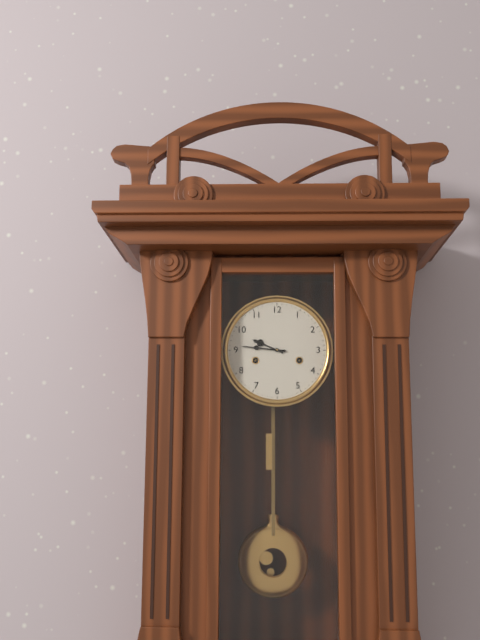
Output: 9h46
